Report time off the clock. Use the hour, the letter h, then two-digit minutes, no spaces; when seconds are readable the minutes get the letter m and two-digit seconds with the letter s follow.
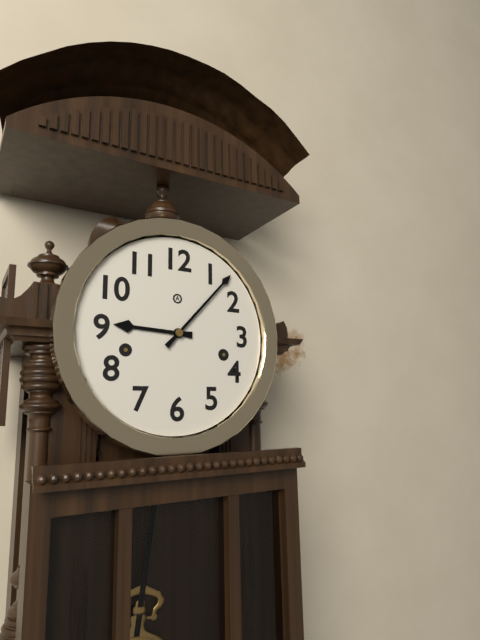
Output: 9h07
